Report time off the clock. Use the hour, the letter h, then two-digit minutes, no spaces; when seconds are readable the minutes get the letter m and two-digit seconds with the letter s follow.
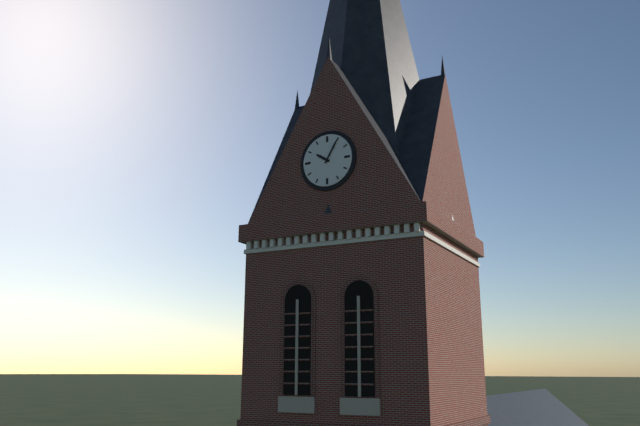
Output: 10h05
